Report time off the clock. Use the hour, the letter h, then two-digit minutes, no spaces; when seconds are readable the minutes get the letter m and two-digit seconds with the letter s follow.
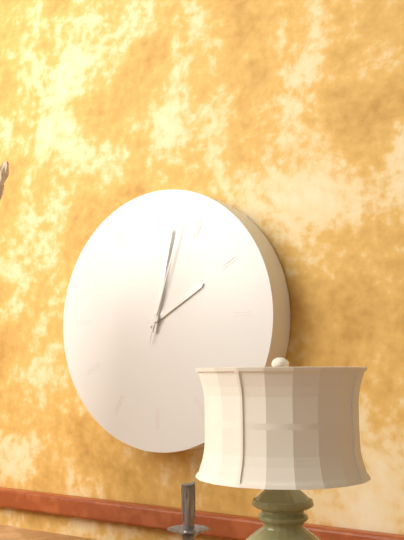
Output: 2h02m03s
